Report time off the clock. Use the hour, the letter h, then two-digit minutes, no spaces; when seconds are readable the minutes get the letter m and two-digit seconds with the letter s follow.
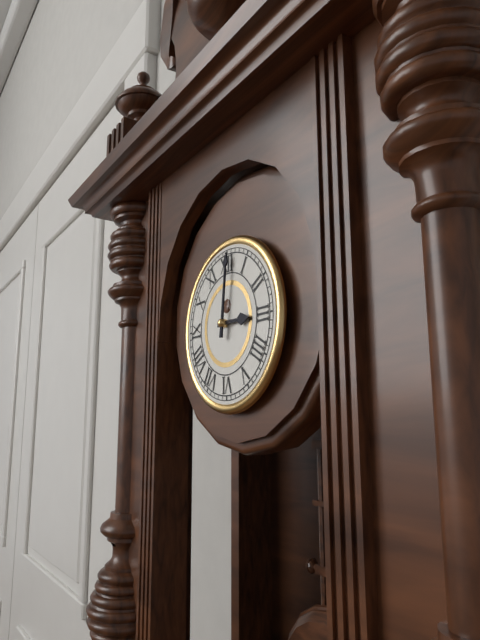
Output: 3h01
